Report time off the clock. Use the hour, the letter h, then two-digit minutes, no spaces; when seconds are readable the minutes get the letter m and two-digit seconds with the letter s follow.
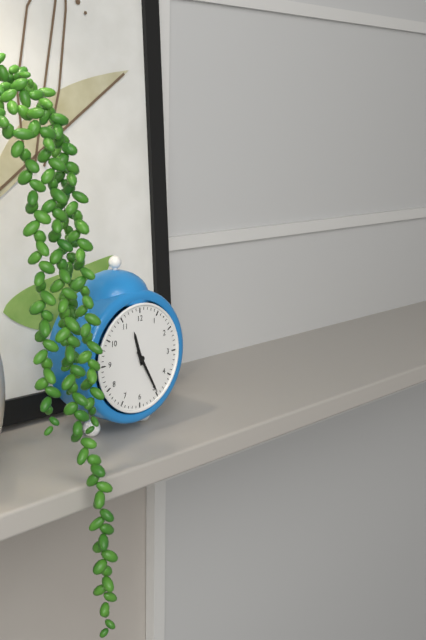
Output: 11h25
